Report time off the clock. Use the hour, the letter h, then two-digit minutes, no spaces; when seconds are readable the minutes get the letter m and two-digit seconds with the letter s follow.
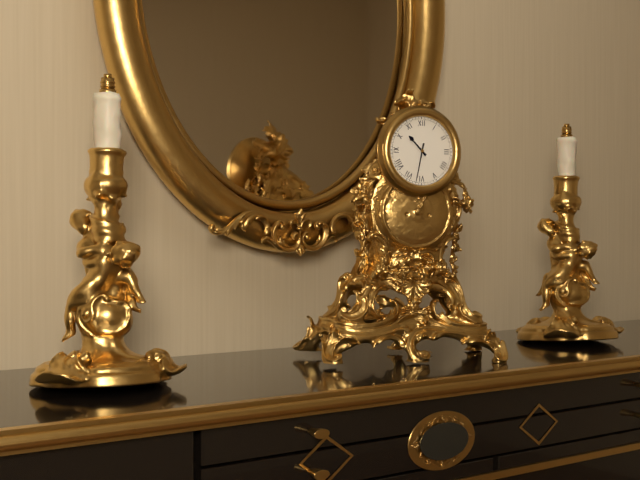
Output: 10h32
